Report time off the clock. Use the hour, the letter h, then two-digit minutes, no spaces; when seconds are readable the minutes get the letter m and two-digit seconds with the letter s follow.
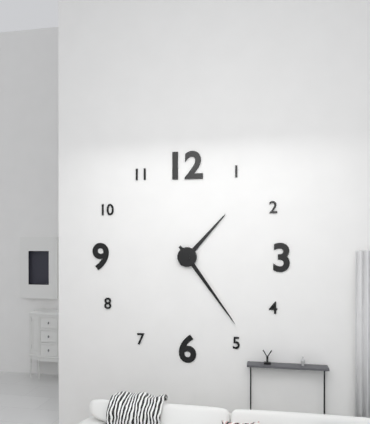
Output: 1h24
